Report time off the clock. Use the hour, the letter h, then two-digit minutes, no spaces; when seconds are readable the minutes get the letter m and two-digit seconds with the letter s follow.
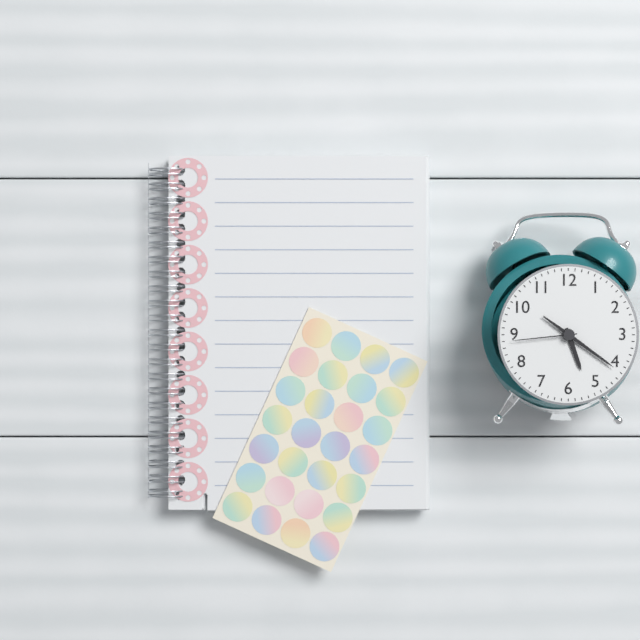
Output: 5h21m44s
